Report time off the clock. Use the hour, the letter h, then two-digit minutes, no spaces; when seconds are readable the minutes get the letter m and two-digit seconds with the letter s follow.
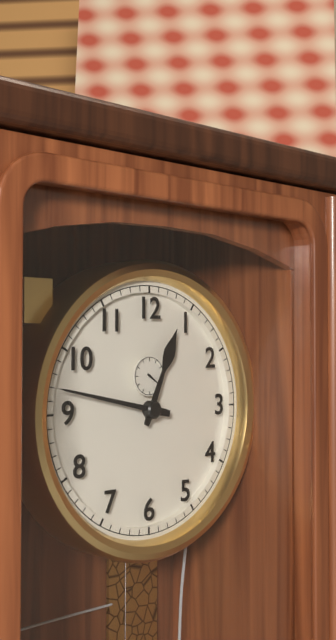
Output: 12h47
